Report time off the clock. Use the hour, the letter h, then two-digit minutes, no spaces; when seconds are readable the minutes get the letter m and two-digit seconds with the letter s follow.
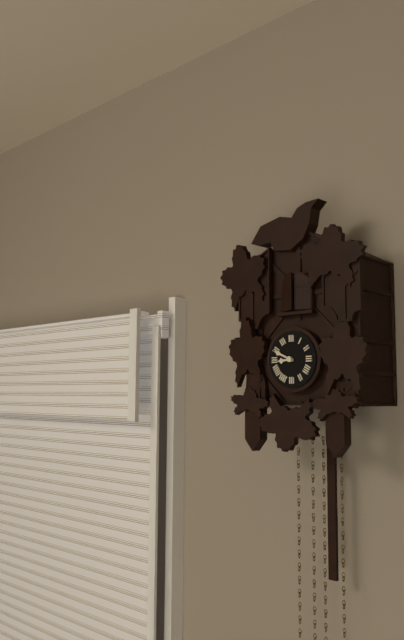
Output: 8h49
